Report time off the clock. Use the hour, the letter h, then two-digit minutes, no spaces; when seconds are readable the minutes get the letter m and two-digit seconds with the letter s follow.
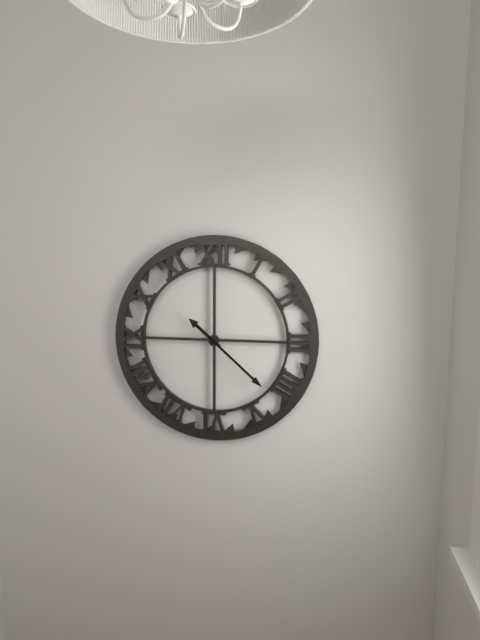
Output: 10h22
